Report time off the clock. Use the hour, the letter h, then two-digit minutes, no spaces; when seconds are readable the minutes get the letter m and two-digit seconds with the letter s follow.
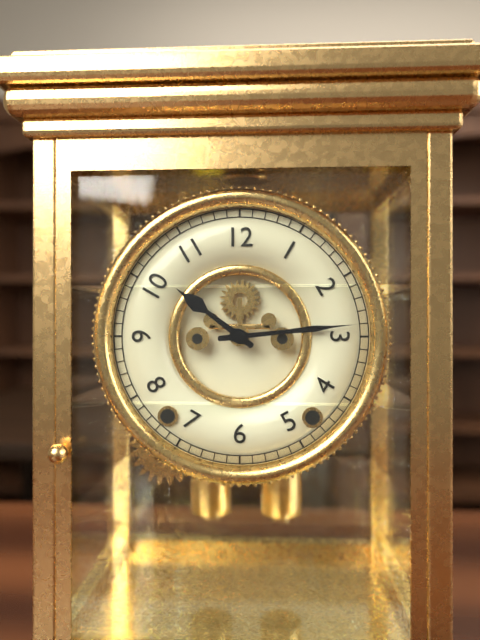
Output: 10h14
